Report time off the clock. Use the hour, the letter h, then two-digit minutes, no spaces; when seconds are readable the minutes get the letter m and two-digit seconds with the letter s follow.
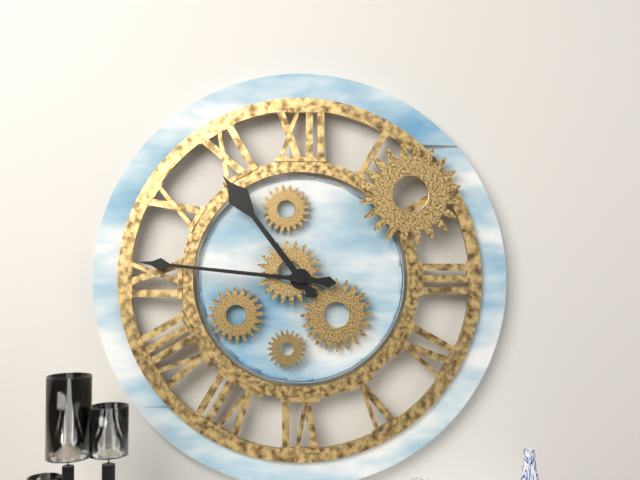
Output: 10h46
